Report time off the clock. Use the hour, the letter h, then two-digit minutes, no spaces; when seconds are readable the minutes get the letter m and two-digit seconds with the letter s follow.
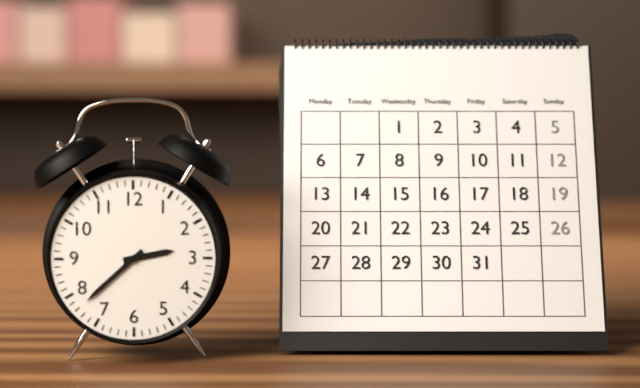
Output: 2h38
